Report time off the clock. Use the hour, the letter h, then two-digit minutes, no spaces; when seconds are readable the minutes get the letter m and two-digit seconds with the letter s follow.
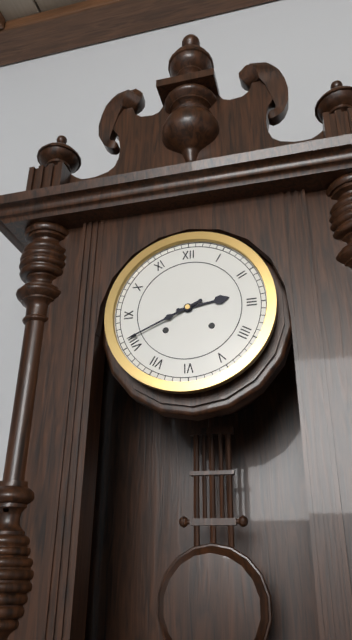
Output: 2h41
